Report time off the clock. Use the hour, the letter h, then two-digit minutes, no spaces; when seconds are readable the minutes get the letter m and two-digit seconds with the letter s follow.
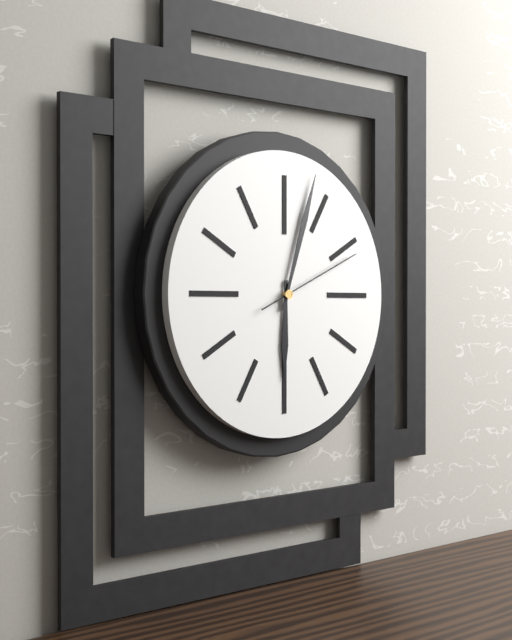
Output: 6h03m11s
